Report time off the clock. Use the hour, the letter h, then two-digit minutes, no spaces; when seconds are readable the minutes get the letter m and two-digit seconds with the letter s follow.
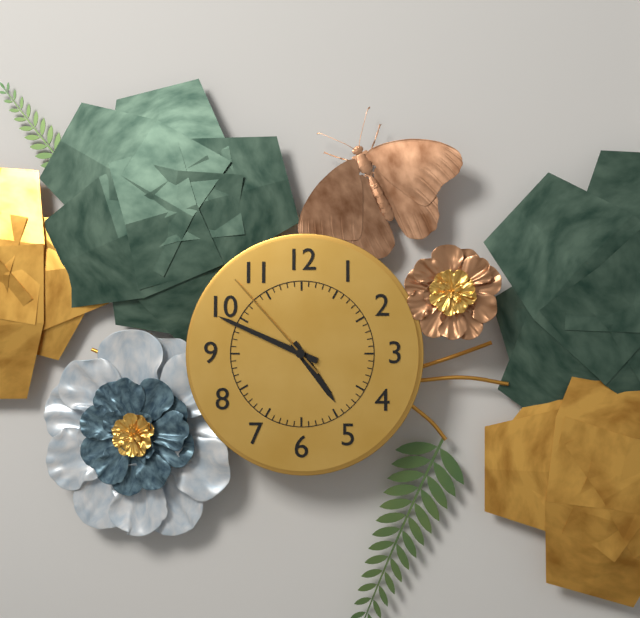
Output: 4h49m53s
